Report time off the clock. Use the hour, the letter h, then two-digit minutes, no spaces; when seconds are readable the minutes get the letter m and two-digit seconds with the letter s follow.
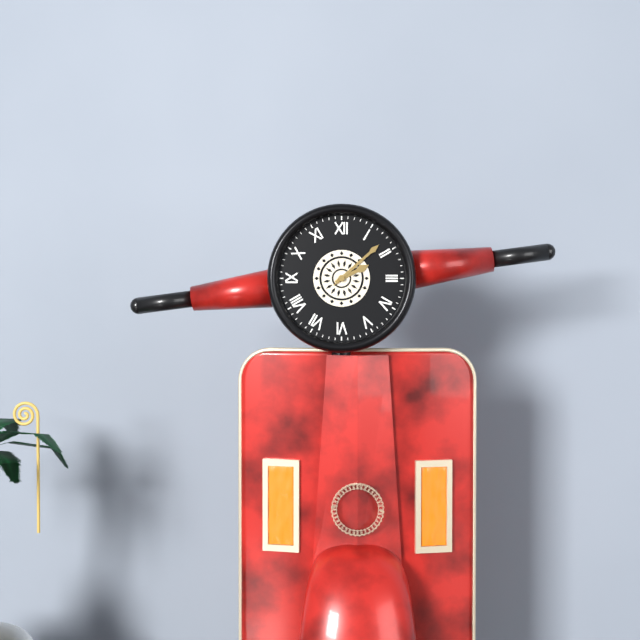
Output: 2h08
